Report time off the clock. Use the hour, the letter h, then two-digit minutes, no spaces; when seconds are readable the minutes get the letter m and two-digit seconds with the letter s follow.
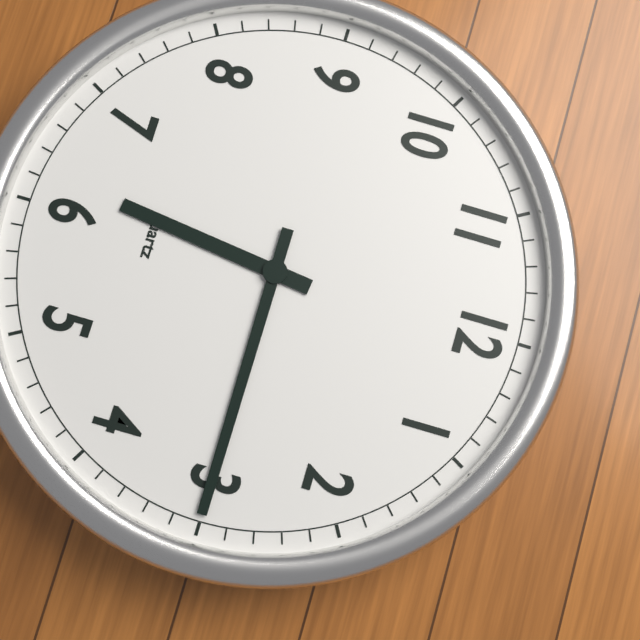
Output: 6h15
